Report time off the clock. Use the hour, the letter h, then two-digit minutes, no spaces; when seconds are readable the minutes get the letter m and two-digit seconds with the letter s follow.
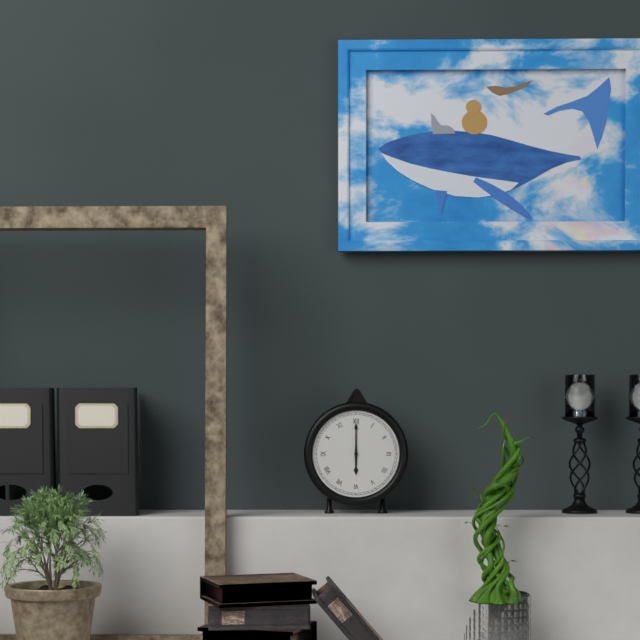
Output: 6h00
